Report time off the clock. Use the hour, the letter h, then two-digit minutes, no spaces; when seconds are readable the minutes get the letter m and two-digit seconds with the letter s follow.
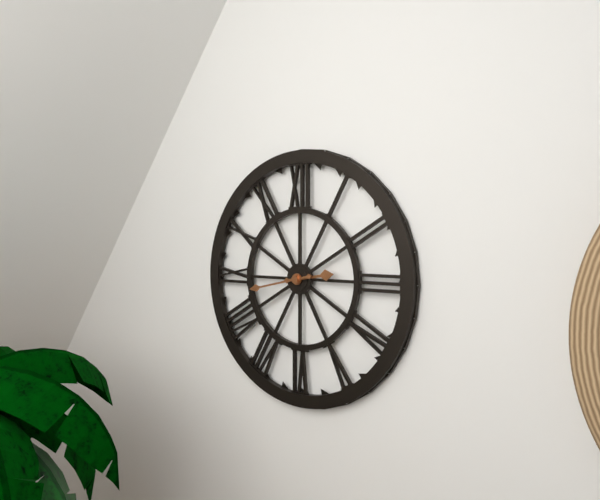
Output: 2h43
